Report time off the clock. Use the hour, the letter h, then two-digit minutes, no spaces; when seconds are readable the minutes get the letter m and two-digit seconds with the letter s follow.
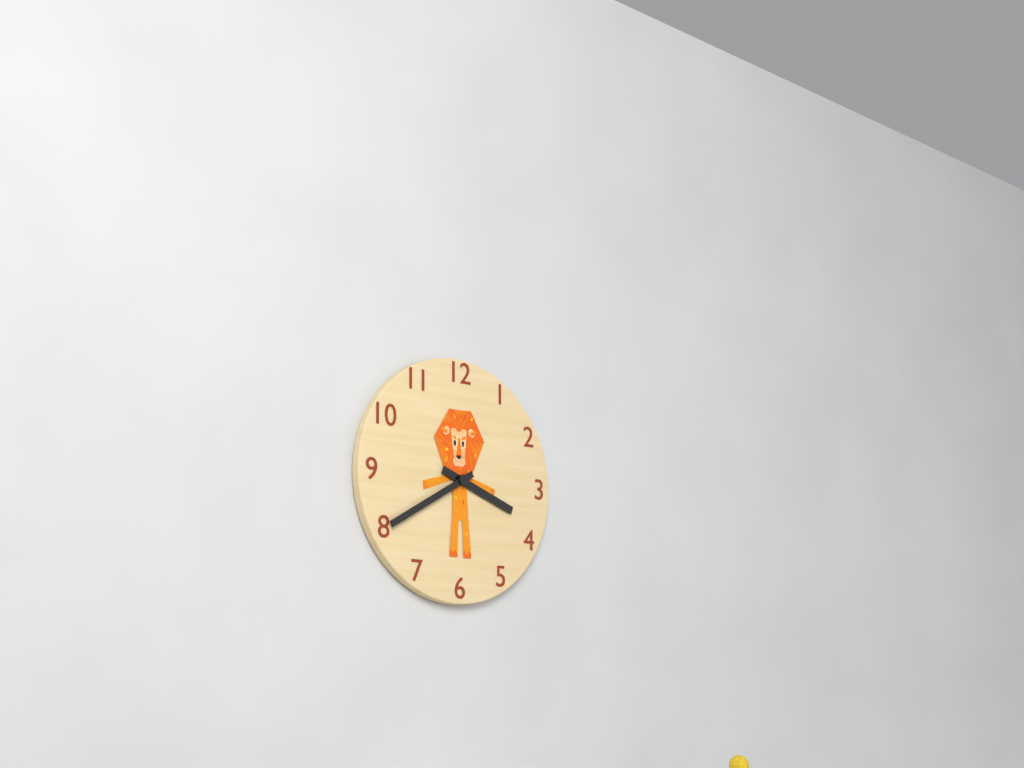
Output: 3h40
